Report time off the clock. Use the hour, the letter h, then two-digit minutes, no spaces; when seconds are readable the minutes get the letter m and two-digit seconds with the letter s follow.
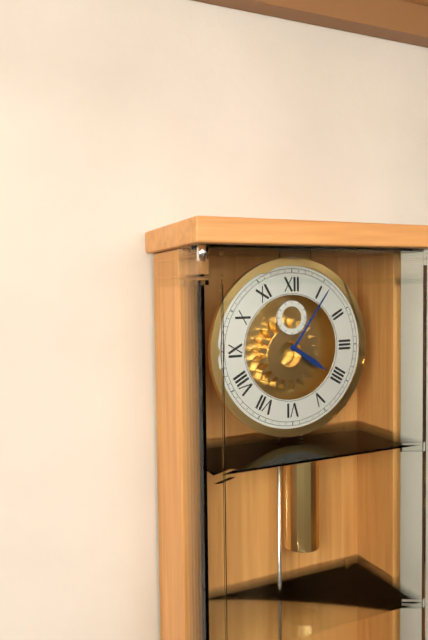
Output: 4h06
